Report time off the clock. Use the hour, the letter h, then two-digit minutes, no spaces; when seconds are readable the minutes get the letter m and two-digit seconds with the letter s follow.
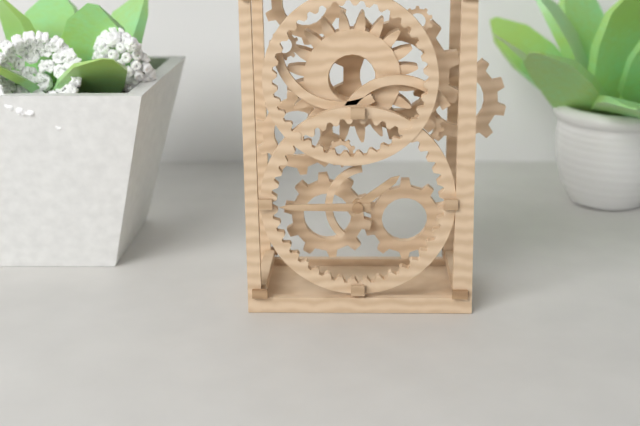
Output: 1h45
